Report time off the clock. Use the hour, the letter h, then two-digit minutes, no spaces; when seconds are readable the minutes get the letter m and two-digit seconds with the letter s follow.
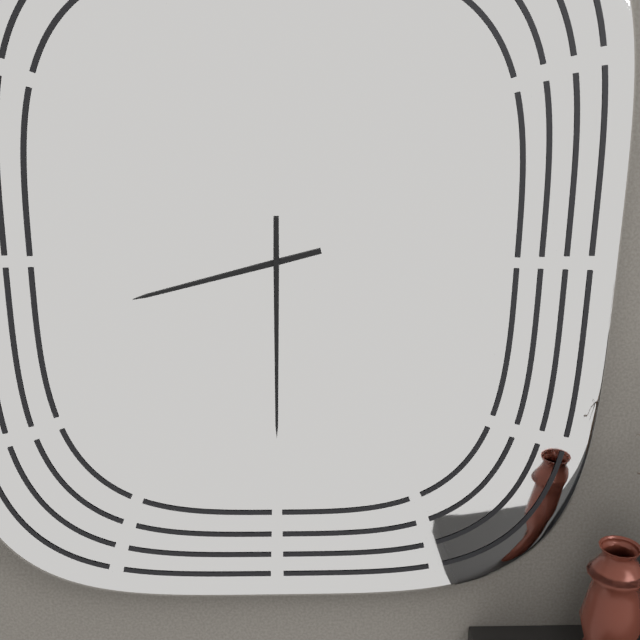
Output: 8h30
